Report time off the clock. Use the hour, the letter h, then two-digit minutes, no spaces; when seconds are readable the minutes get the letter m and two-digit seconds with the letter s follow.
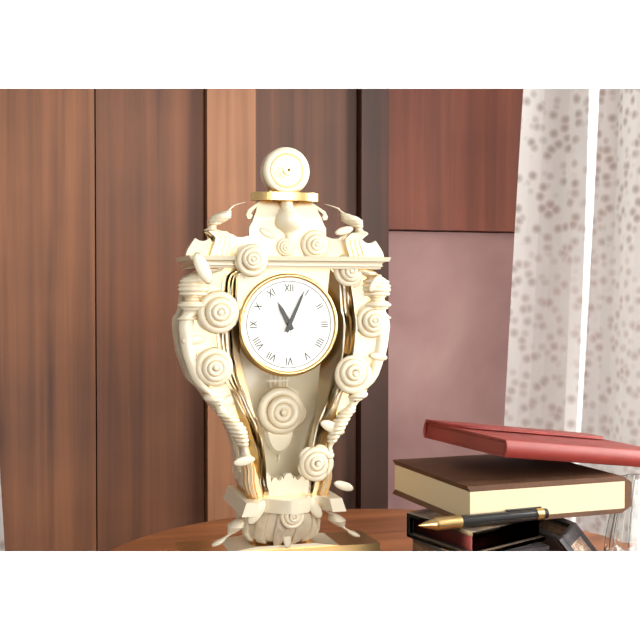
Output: 11h04
